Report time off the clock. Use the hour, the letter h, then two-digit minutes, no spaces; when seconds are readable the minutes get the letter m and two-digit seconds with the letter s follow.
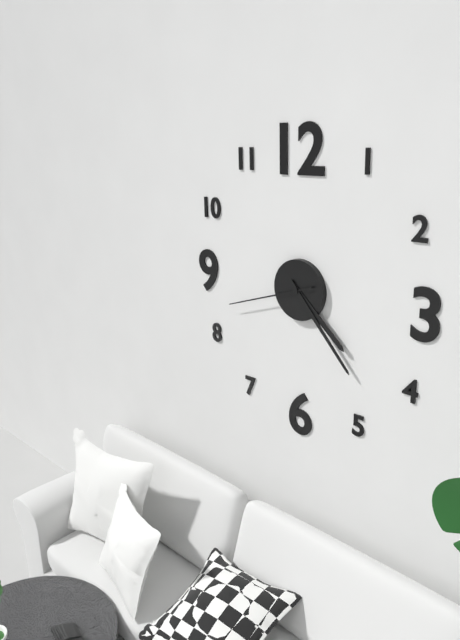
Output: 4h23m42s
